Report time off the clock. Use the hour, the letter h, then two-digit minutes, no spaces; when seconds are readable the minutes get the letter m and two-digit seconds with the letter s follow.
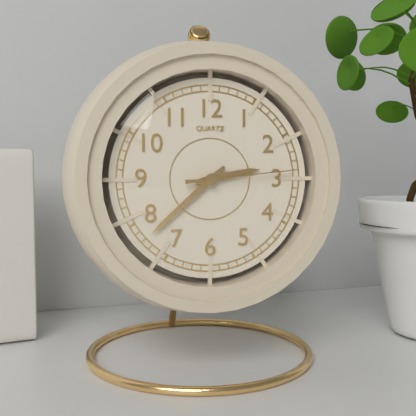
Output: 2h38m14s
